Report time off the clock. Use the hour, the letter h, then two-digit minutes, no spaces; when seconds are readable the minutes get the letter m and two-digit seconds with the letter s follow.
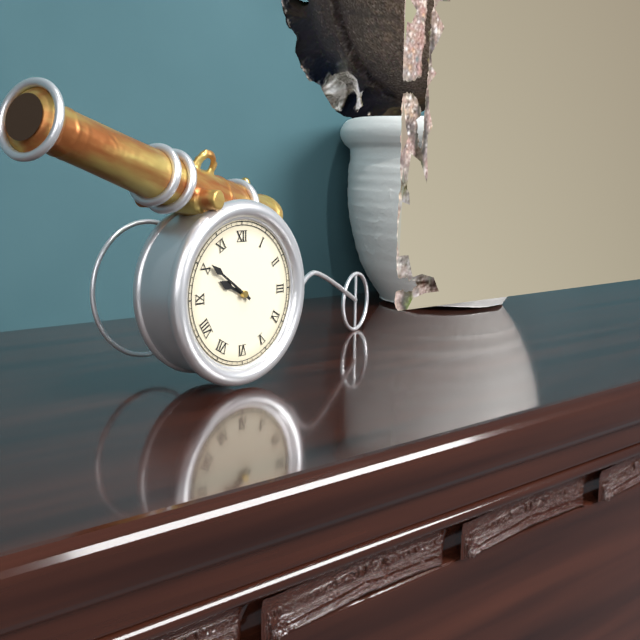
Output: 9h51
